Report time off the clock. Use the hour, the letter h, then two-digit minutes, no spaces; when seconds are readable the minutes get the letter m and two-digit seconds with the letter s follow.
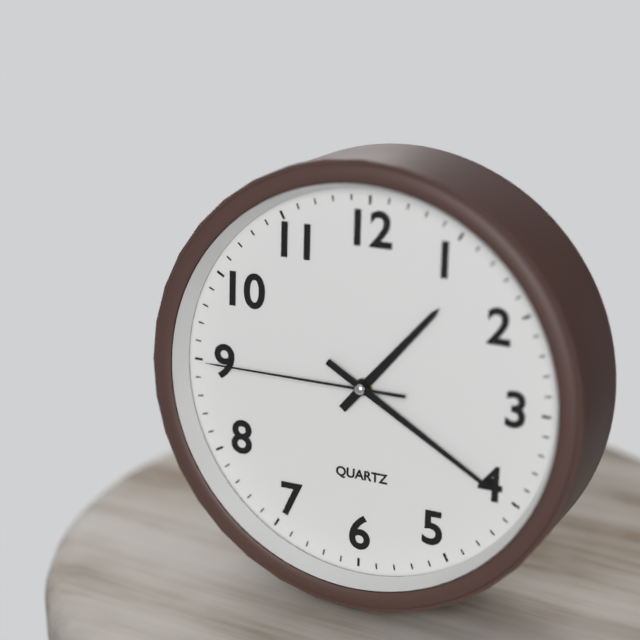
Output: 1h20m45s
